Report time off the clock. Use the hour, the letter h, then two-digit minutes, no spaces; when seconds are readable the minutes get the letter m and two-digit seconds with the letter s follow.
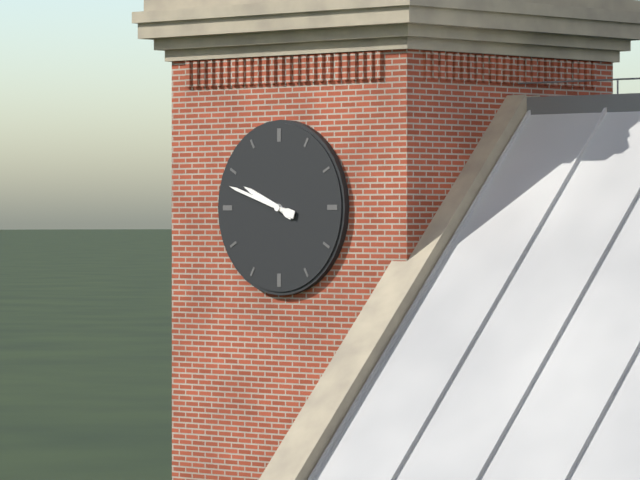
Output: 9h48
